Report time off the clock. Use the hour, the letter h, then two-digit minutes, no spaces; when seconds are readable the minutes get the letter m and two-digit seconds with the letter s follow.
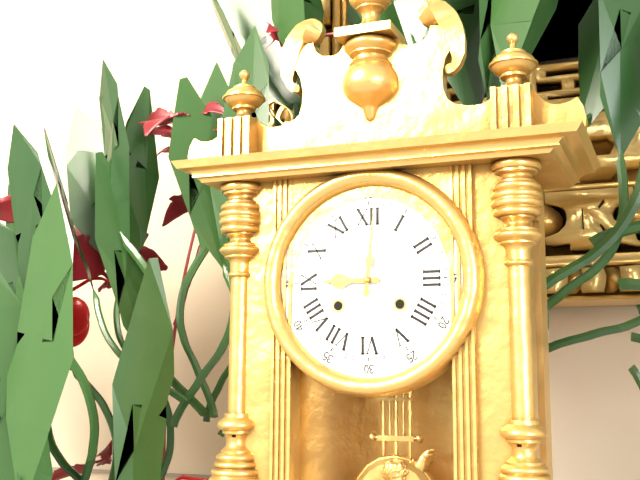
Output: 9h01
